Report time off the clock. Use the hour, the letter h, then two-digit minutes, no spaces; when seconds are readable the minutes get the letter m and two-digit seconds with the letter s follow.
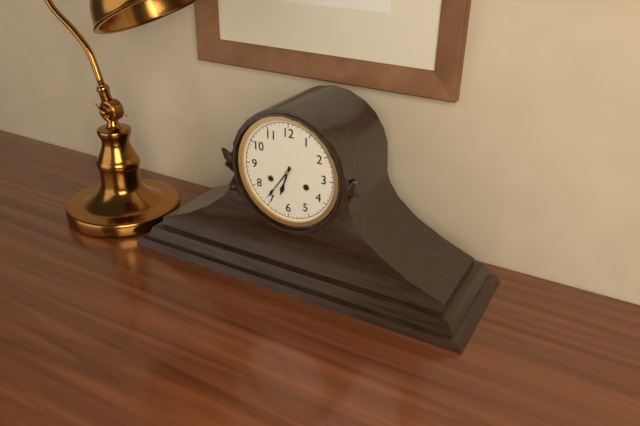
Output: 6h36
